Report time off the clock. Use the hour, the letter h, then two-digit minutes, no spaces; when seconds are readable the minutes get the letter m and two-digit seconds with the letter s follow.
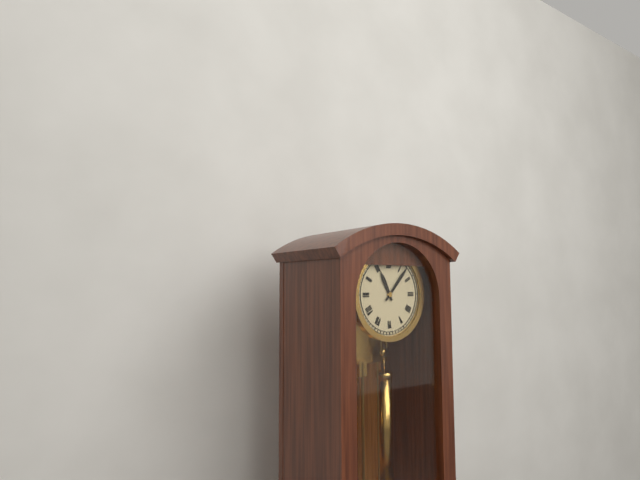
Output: 11h07
